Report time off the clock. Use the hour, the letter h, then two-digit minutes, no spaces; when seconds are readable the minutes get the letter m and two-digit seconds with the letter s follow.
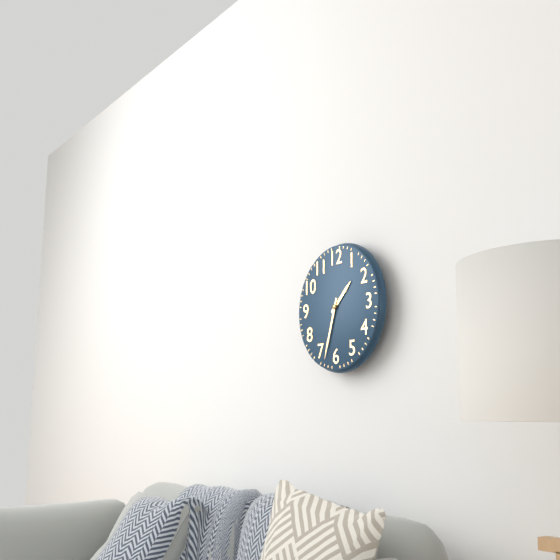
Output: 1h33
